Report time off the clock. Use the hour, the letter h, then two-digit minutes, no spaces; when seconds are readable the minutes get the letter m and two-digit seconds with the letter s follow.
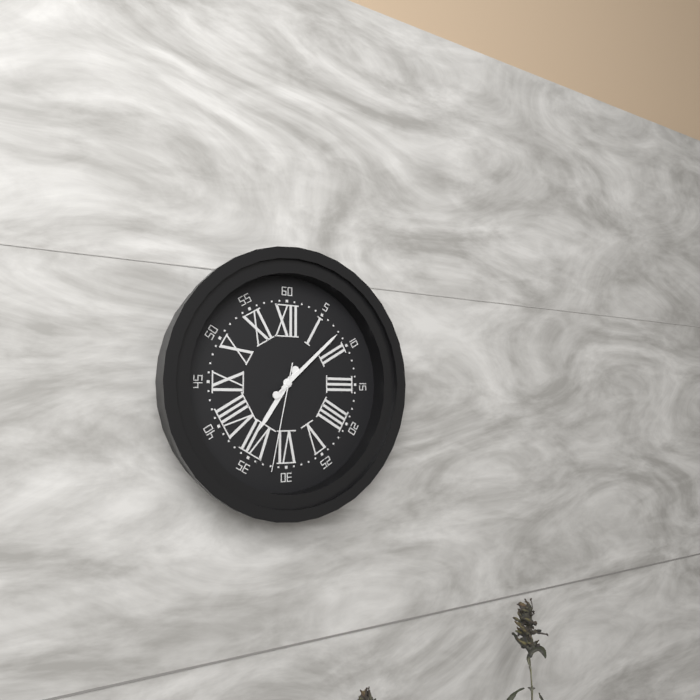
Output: 7h08m32s
